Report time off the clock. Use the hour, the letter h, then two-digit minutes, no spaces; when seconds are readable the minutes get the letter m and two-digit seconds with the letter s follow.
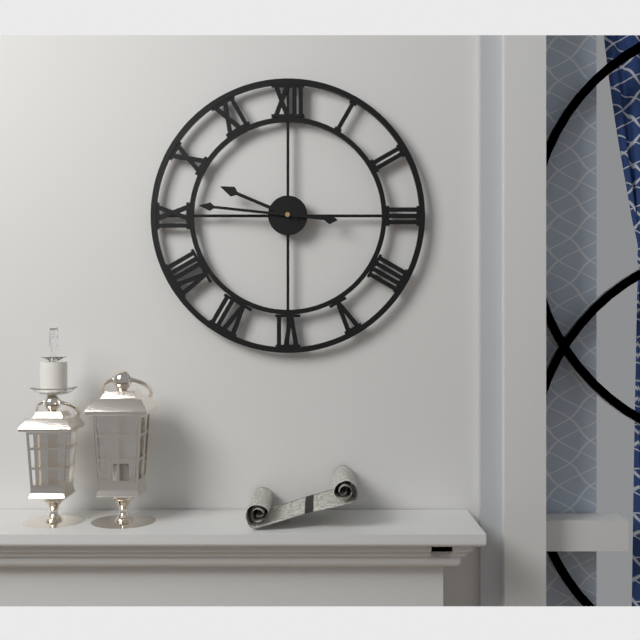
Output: 9h46
